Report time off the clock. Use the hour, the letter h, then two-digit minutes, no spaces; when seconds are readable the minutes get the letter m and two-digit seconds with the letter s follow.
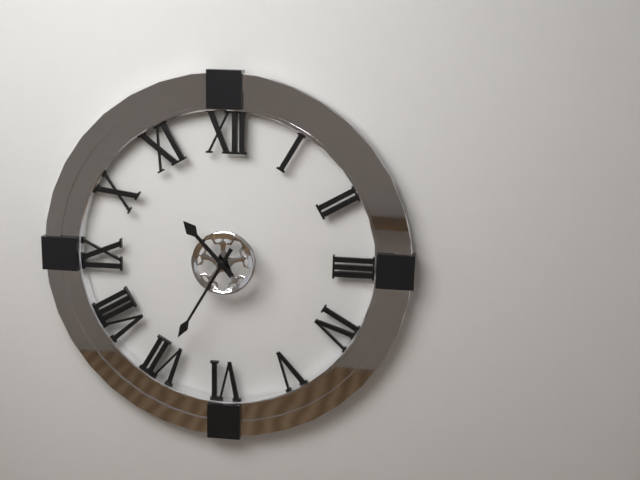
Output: 10h35
